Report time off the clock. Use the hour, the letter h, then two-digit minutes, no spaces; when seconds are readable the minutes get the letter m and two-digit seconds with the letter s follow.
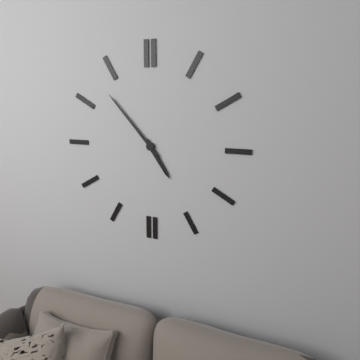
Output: 4h53
